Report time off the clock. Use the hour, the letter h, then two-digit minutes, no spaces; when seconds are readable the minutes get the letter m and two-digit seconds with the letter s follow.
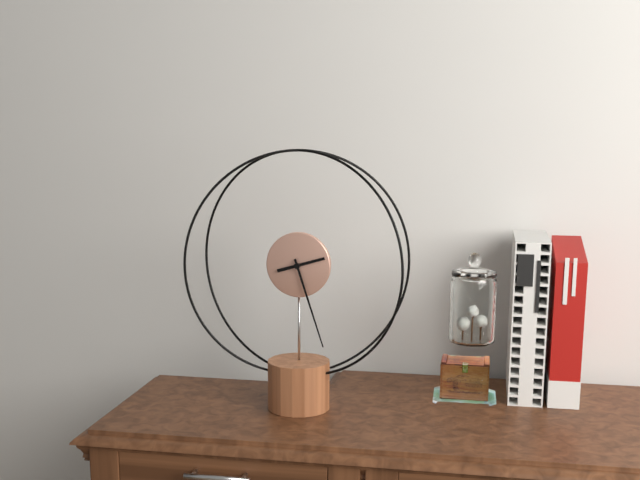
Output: 2h27
